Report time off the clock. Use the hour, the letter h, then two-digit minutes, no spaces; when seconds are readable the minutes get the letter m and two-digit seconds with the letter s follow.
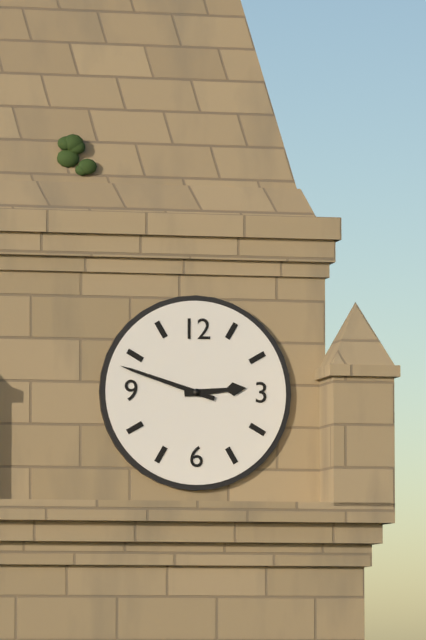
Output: 2h48
